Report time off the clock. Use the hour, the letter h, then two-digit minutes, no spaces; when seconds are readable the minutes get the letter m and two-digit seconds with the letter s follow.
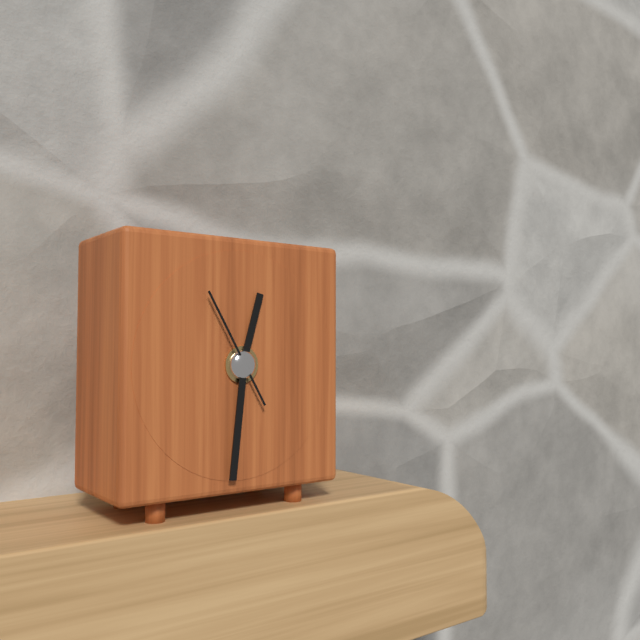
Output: 12h31m55s
